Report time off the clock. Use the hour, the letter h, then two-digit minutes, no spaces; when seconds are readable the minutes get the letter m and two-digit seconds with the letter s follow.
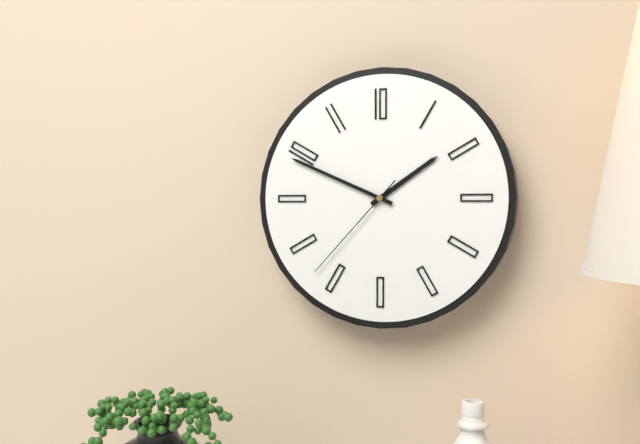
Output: 1h49m37s
